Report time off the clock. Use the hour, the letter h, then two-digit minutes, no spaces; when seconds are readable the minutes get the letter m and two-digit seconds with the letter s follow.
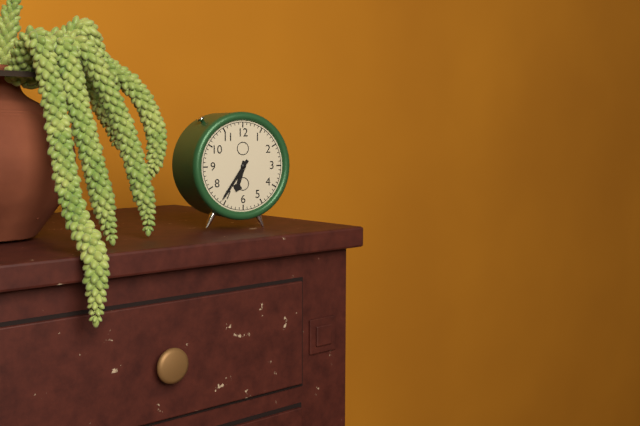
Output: 6h36
